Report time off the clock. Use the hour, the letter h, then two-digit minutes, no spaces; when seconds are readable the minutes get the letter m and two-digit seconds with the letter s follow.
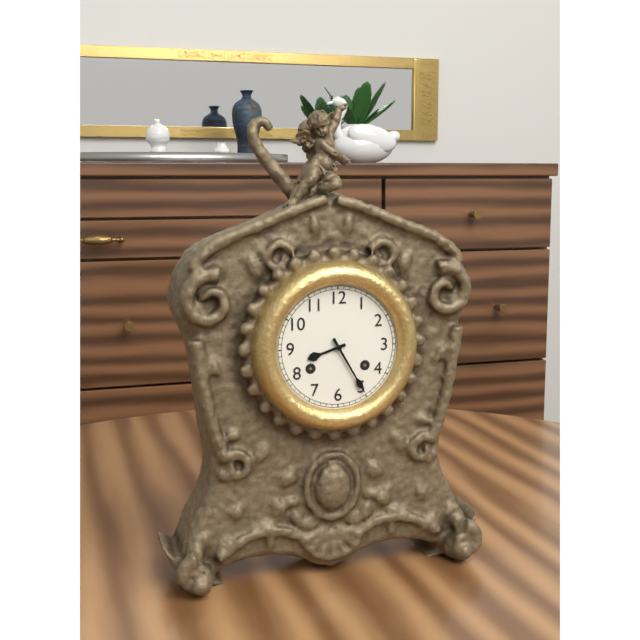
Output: 8h25
